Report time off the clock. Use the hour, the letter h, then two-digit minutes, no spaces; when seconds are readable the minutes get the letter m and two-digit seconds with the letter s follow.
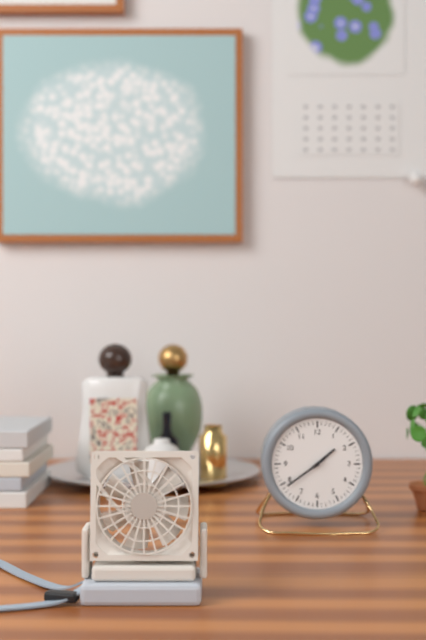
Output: 1h39
